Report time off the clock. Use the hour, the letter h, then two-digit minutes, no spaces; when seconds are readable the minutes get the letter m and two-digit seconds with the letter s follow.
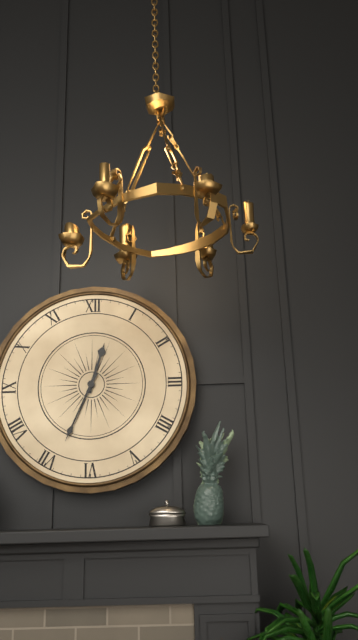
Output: 12h34
